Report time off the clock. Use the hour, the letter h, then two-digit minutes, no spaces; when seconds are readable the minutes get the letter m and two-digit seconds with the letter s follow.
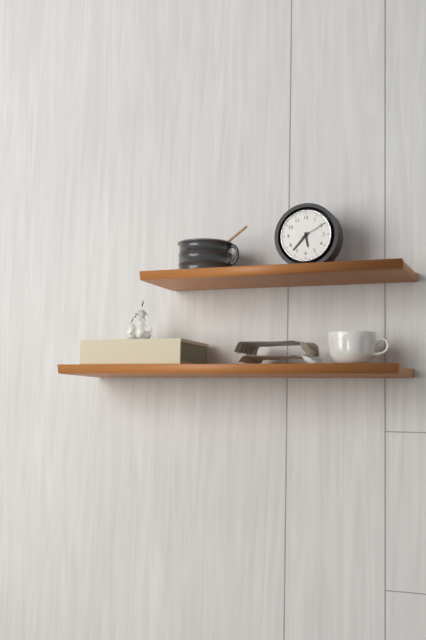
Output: 5h37
